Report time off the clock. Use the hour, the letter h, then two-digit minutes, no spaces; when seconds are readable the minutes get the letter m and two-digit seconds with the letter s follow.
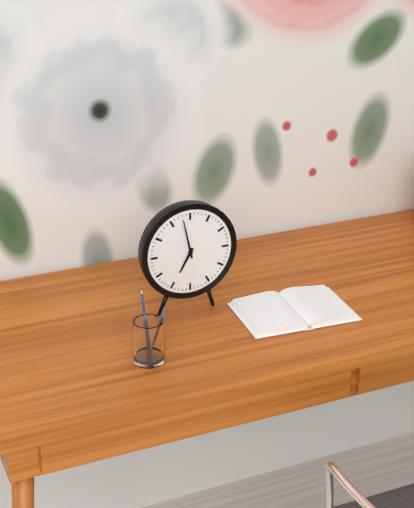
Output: 6h58
